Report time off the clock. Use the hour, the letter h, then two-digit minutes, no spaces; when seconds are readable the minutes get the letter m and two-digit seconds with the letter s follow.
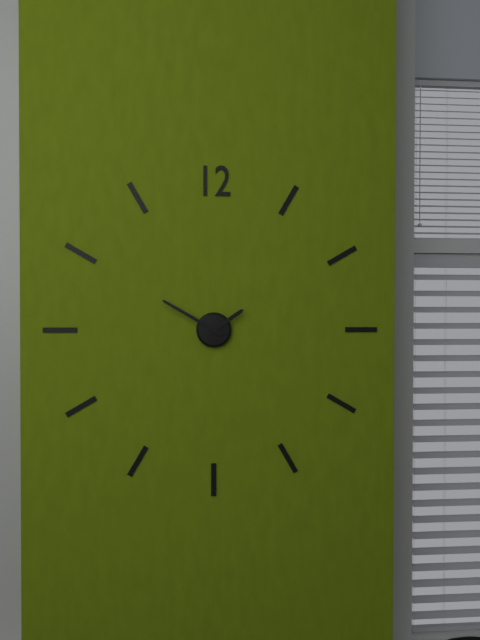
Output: 1h50
